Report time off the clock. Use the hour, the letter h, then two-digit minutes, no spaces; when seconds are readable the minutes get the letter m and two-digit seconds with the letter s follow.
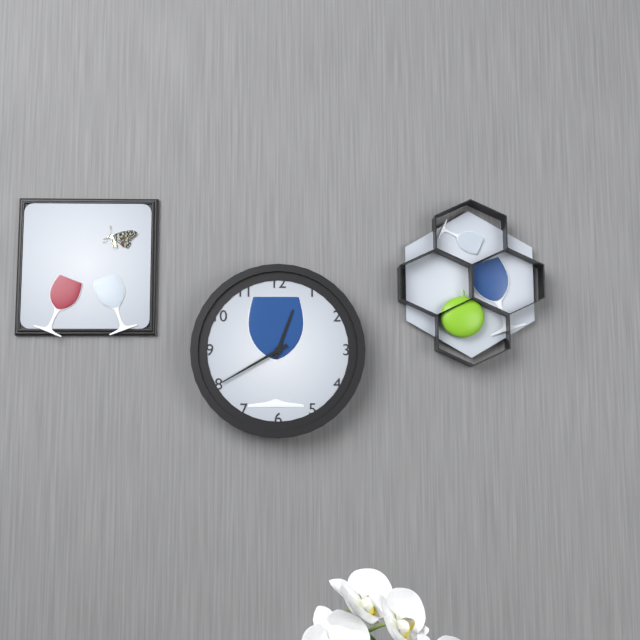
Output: 12h40
